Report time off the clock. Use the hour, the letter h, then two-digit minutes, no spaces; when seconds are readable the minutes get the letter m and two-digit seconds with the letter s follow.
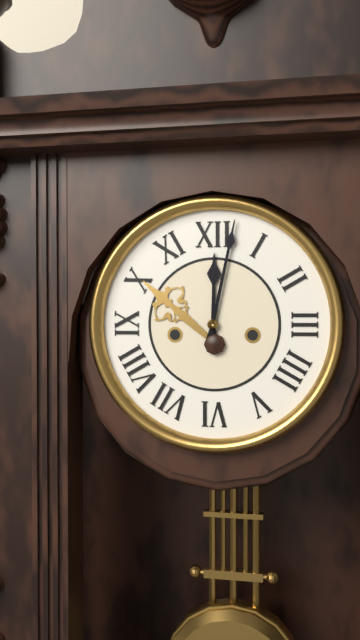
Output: 12h02
